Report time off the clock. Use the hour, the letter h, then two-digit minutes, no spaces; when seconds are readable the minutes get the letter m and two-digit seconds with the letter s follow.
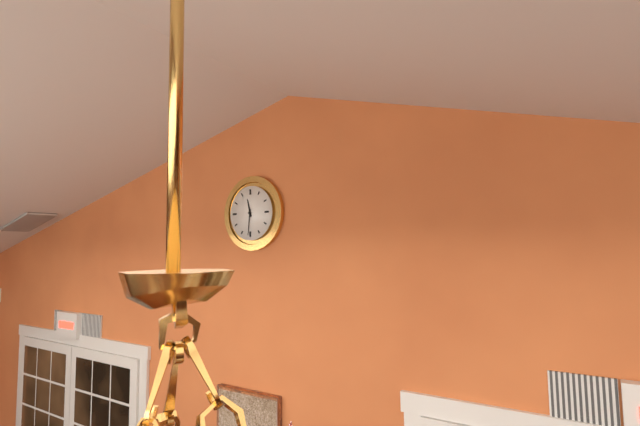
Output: 11h31
